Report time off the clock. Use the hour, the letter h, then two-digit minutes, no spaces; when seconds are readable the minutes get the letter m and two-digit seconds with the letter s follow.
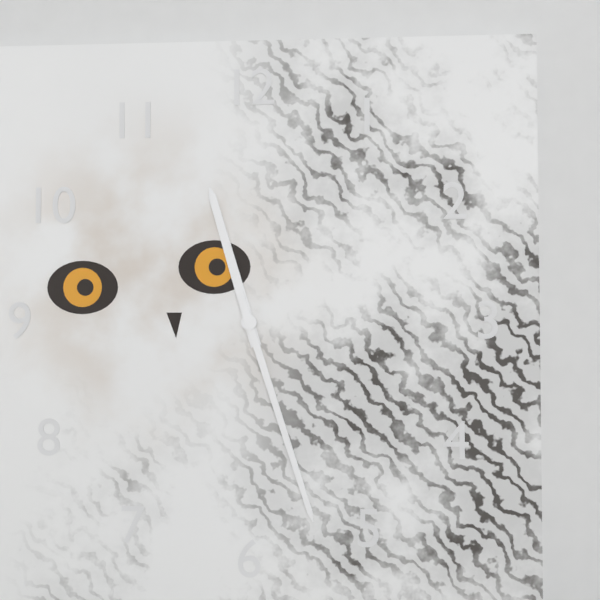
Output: 11h27
